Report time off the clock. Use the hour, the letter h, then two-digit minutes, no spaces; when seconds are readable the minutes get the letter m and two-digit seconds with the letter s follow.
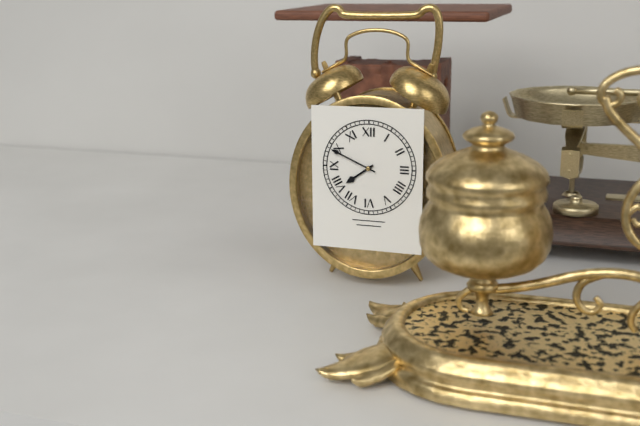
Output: 7h49
